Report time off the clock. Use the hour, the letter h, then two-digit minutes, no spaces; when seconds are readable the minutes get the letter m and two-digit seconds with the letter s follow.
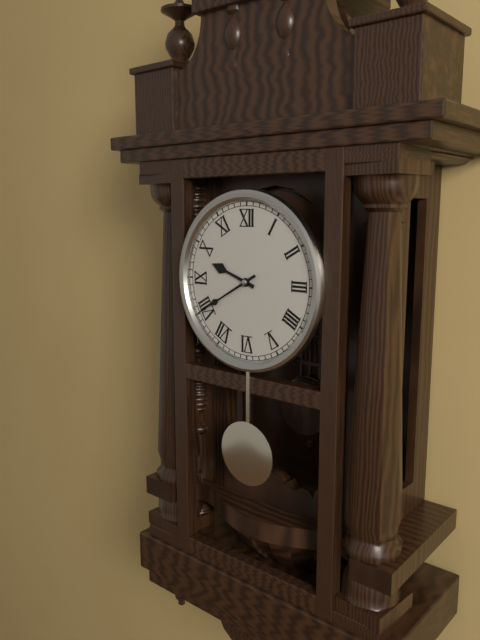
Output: 9h40
